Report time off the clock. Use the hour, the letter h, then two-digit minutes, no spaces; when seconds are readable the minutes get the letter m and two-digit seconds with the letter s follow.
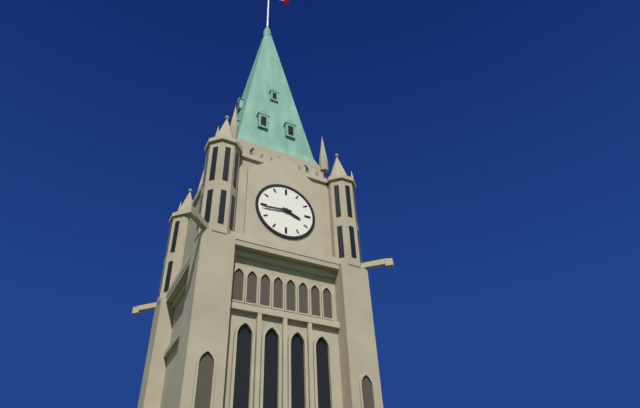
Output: 3h44
